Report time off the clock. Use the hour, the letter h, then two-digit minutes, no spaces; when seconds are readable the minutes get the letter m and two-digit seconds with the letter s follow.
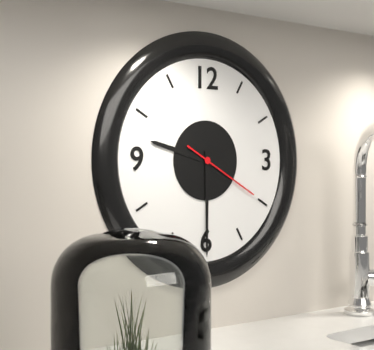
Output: 9h30m20s
